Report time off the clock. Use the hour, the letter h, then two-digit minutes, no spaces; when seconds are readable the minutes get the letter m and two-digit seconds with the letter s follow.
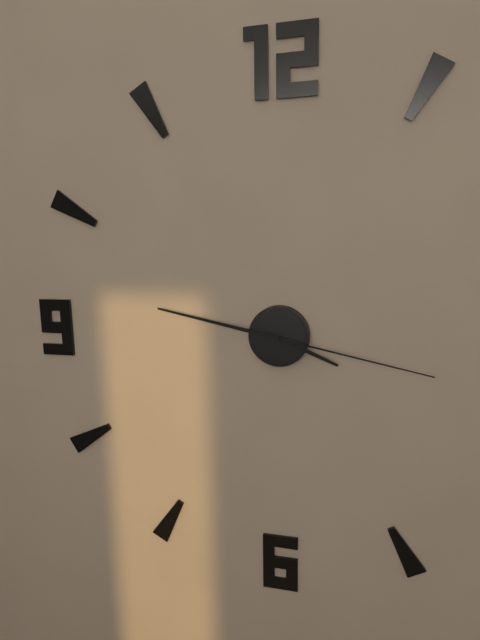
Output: 3h47m17s
